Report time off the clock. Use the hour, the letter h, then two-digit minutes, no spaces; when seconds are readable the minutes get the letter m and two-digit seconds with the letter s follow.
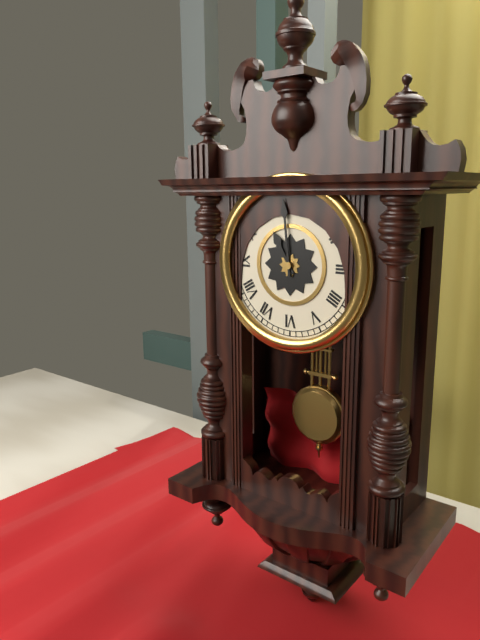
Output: 10h59
